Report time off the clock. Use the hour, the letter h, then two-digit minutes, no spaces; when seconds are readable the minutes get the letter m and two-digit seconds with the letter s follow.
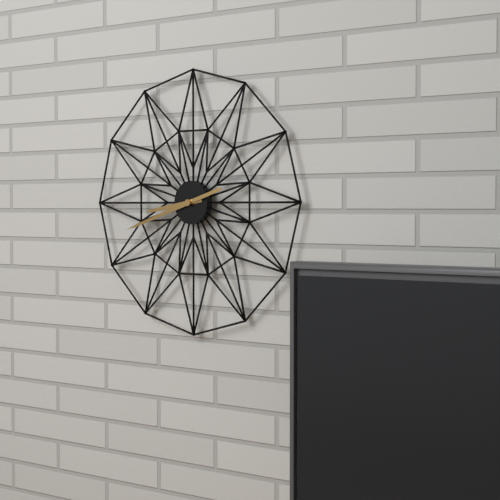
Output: 8h42
